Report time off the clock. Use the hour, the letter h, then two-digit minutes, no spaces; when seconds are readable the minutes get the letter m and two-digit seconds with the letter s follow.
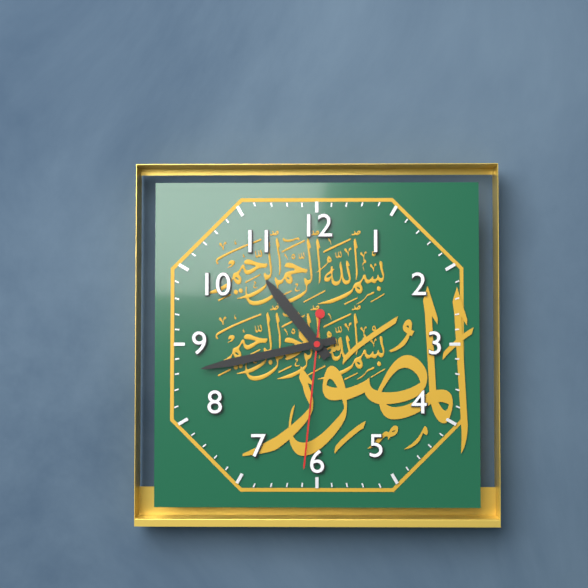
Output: 10h43m31s
